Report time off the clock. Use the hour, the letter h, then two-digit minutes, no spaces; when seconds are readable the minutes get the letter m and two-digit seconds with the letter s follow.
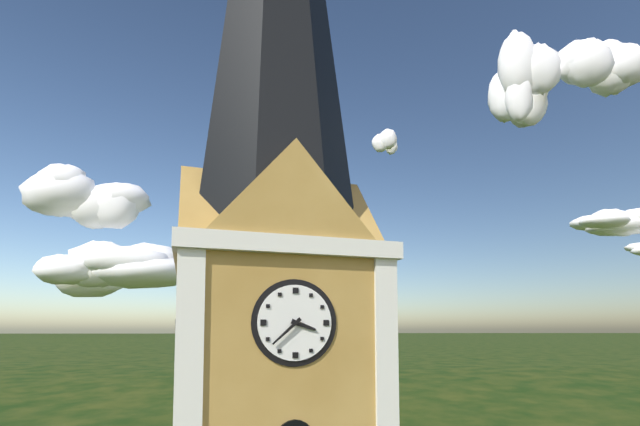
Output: 3h38
